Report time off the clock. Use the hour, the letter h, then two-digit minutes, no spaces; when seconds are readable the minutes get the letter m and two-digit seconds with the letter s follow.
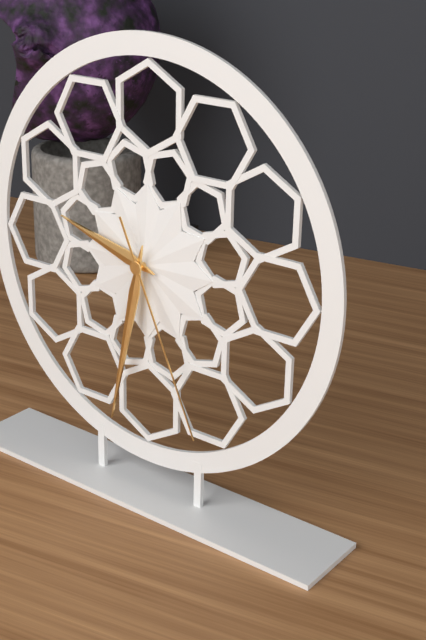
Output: 9h32m26s
